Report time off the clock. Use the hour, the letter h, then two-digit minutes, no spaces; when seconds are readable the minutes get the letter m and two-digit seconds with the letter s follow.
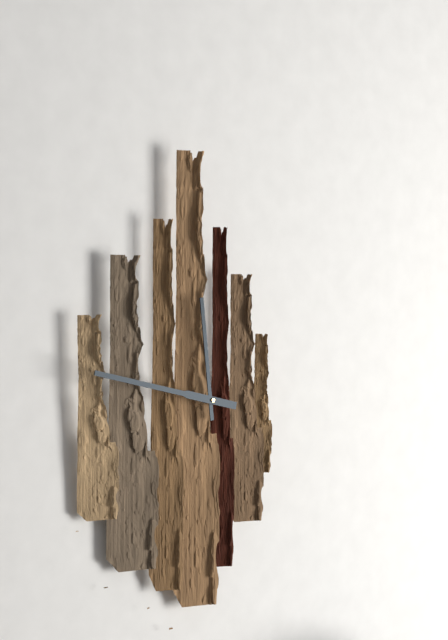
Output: 11h47
